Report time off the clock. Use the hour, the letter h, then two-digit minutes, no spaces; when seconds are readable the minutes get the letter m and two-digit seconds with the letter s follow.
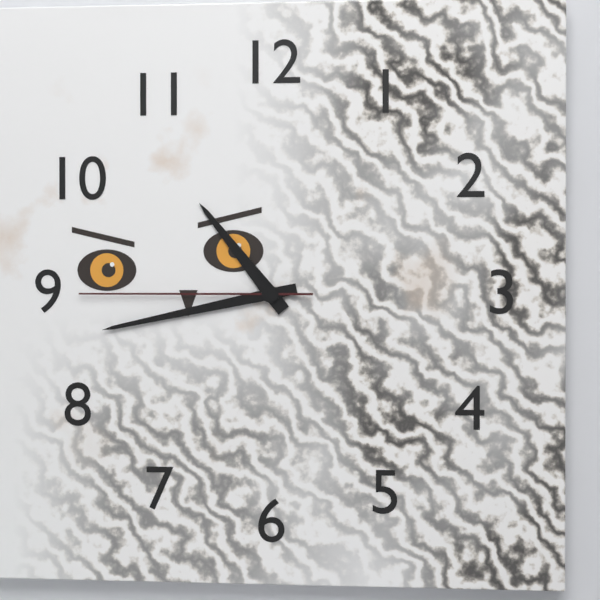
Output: 10h43m45s
